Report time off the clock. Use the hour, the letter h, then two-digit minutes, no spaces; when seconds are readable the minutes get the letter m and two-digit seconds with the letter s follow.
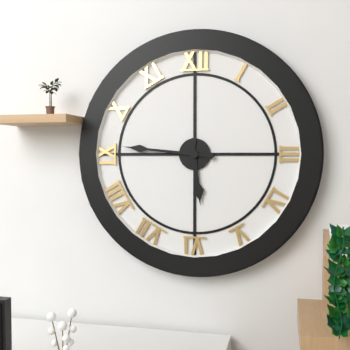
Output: 5h46
